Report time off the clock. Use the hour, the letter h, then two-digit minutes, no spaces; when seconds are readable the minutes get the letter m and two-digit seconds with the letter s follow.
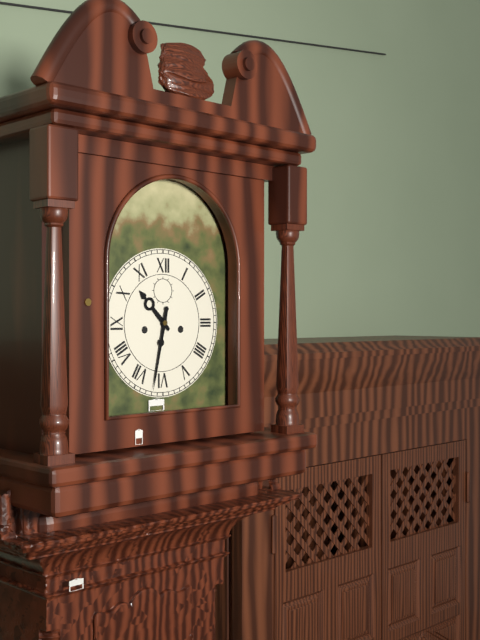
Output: 10h32
